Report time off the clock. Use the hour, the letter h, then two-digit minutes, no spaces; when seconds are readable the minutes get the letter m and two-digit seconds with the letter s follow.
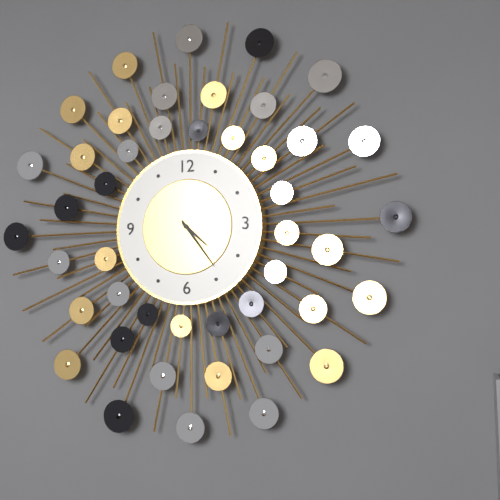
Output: 4h24
